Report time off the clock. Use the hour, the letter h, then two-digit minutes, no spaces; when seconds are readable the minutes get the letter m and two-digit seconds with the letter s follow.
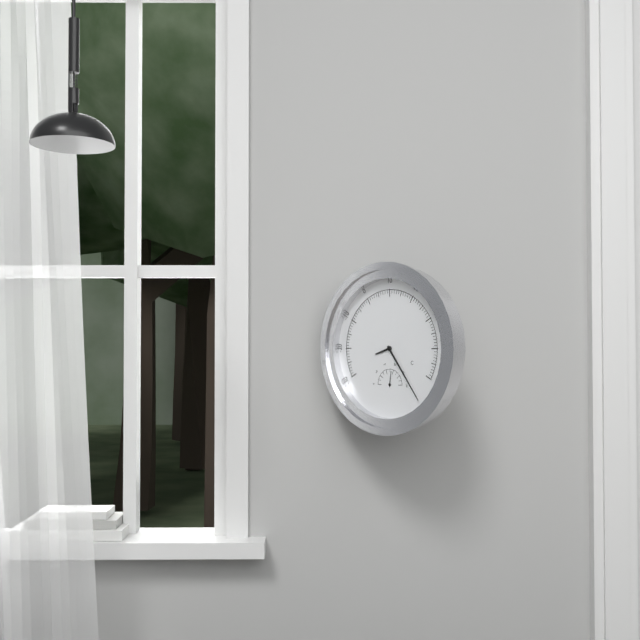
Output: 8h24
